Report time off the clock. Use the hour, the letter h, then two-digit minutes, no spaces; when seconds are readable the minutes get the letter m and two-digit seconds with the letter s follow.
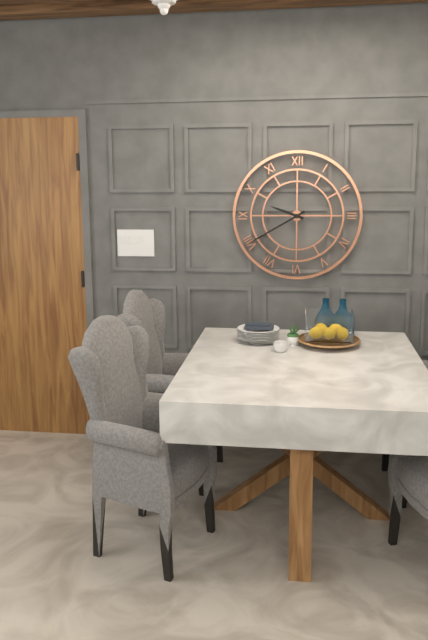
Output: 9h40
